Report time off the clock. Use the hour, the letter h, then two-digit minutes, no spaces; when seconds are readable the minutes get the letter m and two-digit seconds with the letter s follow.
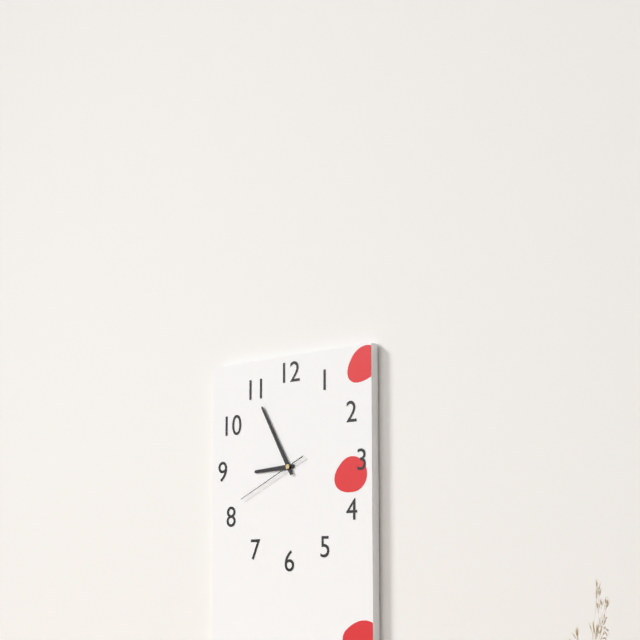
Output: 8h55m41s
